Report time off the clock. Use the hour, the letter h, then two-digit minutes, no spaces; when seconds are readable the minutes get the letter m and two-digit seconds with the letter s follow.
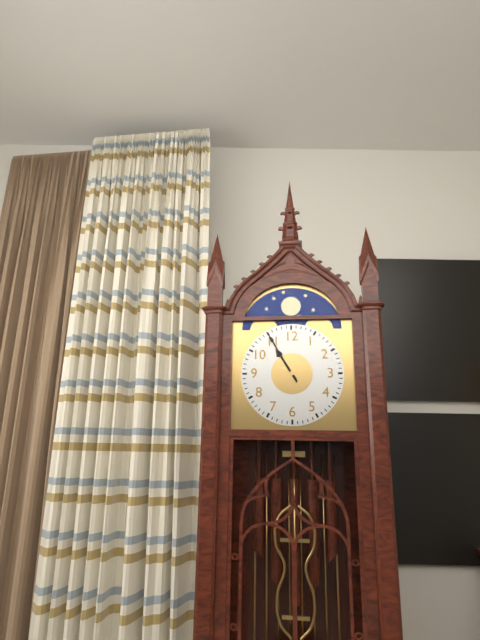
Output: 10h55
